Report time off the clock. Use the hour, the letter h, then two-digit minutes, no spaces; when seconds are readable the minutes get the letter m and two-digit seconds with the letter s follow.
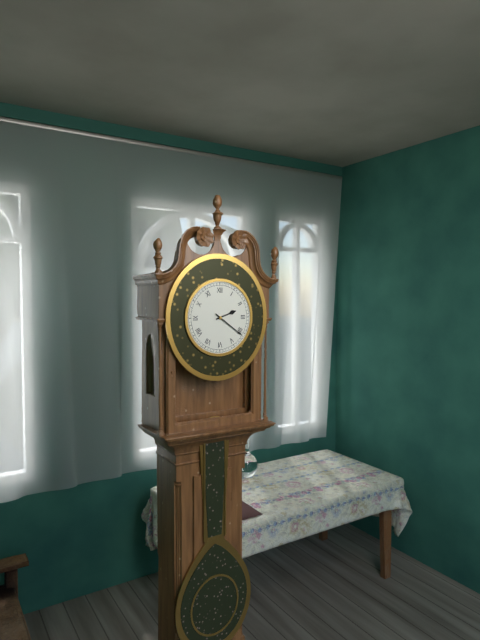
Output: 2h21
